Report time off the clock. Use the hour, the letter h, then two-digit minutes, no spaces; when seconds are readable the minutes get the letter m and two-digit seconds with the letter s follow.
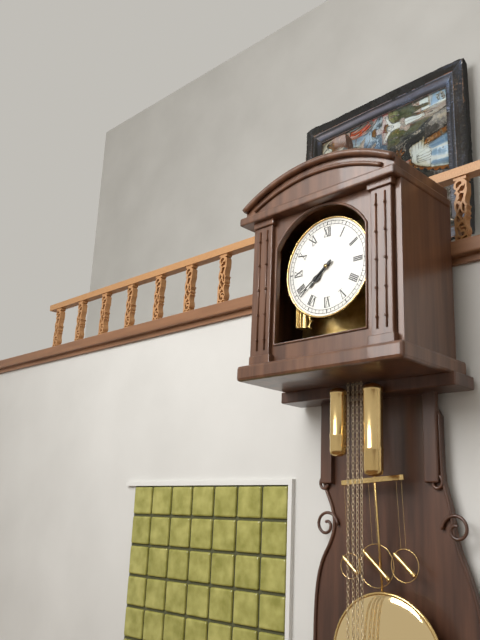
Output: 7h39
